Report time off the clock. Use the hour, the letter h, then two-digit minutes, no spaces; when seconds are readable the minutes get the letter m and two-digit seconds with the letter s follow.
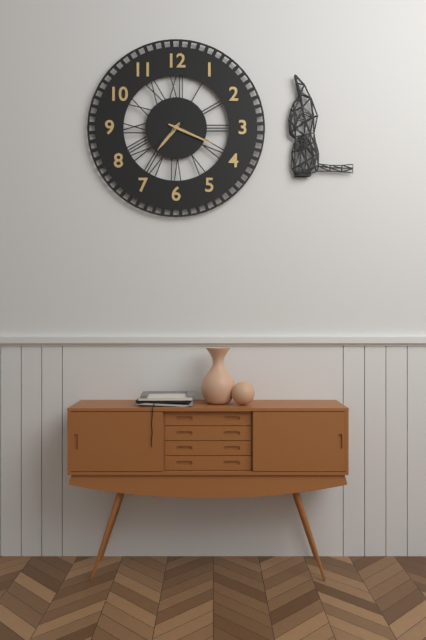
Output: 7h19
